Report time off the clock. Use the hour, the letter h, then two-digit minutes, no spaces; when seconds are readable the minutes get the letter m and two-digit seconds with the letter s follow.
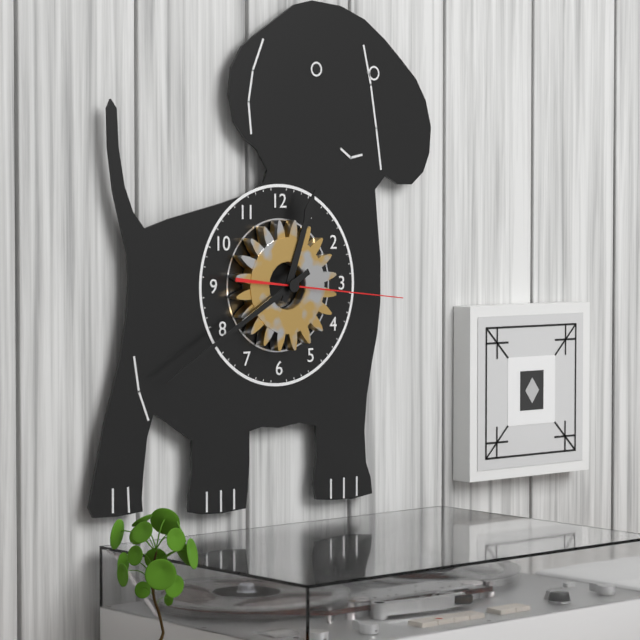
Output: 12h40m16s
